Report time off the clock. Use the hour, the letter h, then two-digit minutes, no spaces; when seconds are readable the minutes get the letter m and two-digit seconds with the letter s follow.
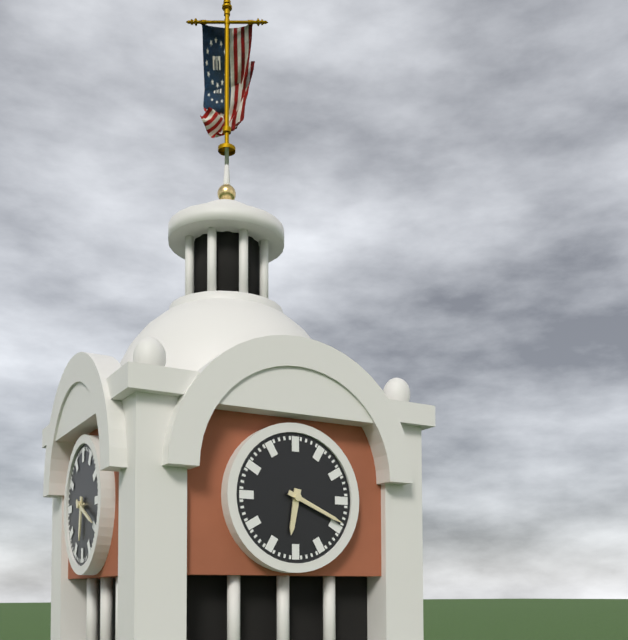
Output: 6h19
